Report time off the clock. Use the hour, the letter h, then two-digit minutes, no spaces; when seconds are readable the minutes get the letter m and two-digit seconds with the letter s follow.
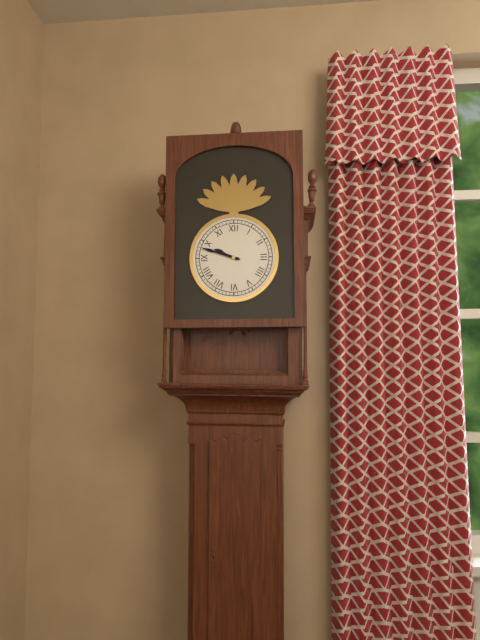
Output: 9h48
